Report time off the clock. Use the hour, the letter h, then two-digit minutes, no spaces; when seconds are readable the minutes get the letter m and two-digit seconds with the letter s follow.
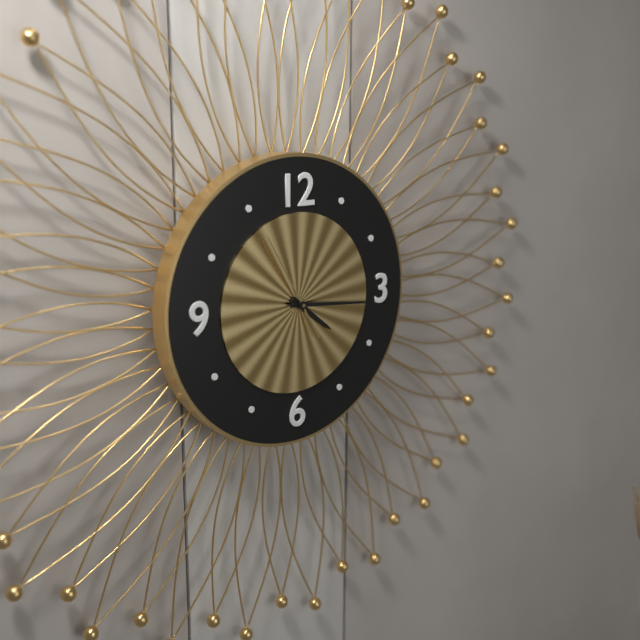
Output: 4h16m55s
